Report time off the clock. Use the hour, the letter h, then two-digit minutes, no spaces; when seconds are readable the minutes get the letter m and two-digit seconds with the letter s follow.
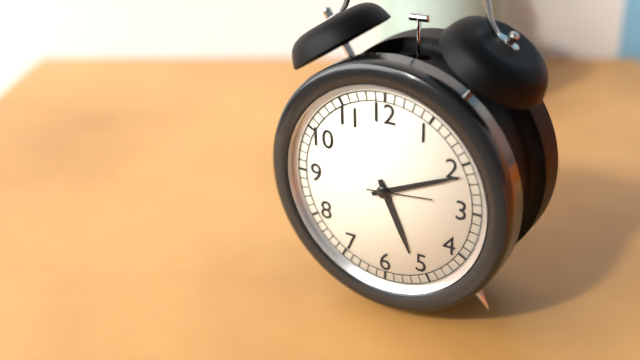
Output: 5h11m14s
